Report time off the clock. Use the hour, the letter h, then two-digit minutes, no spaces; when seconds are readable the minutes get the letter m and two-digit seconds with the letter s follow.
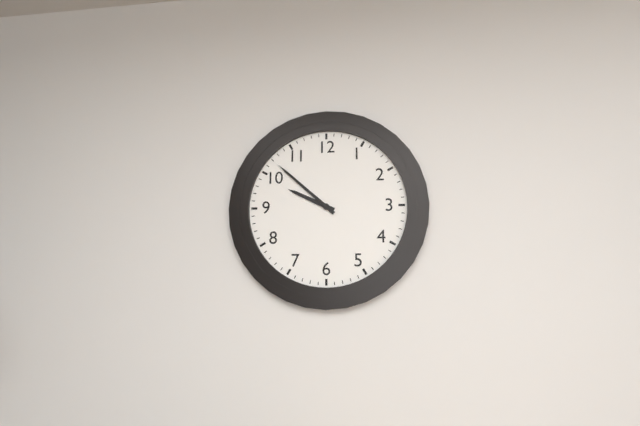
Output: 9h52
